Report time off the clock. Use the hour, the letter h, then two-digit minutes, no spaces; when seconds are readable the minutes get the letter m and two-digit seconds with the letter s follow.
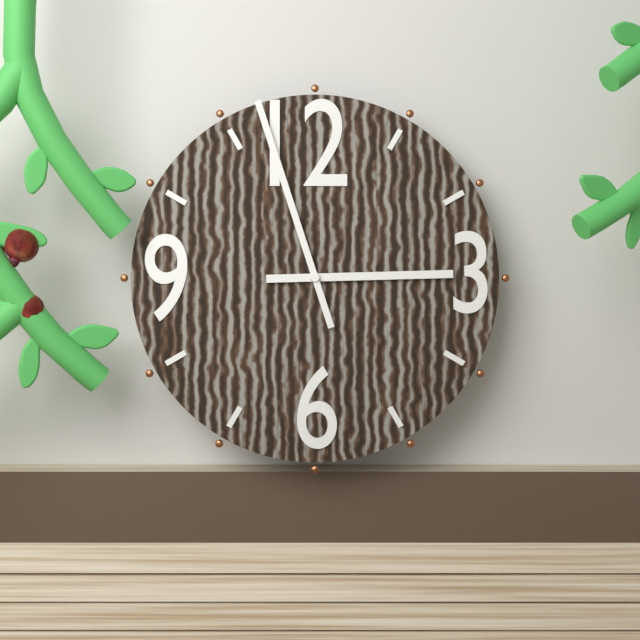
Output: 2h57
